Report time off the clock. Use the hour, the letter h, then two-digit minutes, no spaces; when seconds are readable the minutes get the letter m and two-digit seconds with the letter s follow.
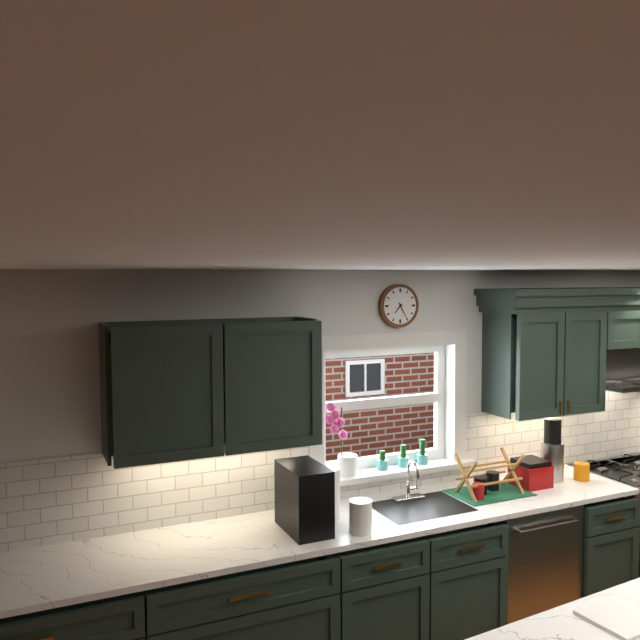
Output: 7h25
